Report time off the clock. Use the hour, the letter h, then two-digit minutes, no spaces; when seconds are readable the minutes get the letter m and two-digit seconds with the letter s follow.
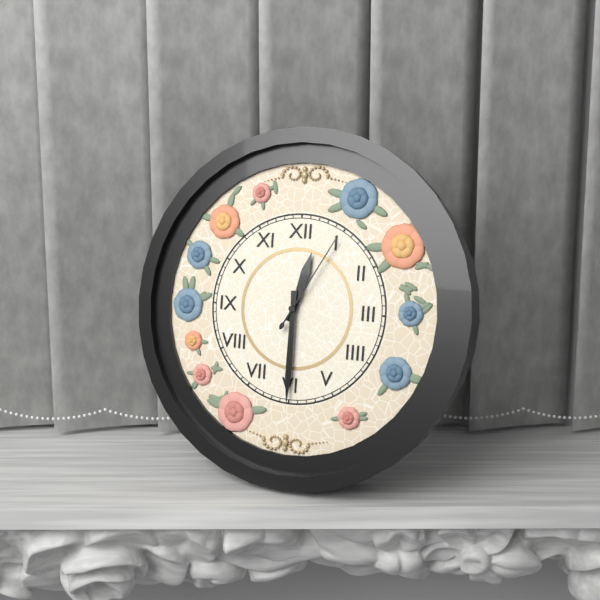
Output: 12h30m05s
